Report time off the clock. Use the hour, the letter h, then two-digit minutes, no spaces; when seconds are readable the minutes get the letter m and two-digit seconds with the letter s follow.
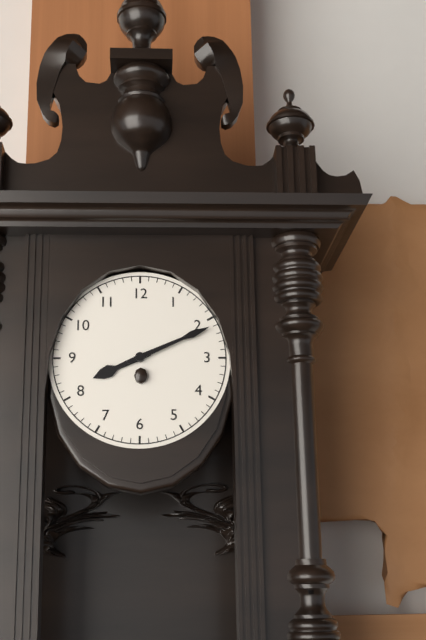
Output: 8h11
